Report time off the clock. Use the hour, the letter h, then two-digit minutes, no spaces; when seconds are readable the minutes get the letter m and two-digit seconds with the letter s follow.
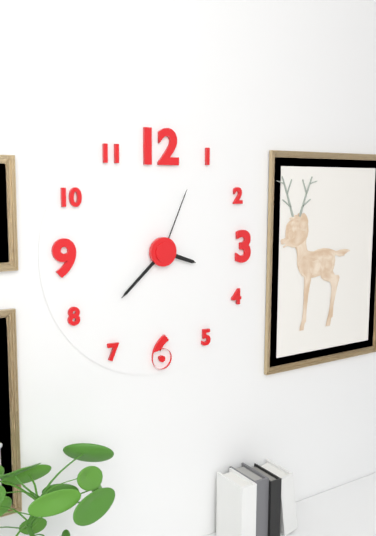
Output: 3h38m04s
